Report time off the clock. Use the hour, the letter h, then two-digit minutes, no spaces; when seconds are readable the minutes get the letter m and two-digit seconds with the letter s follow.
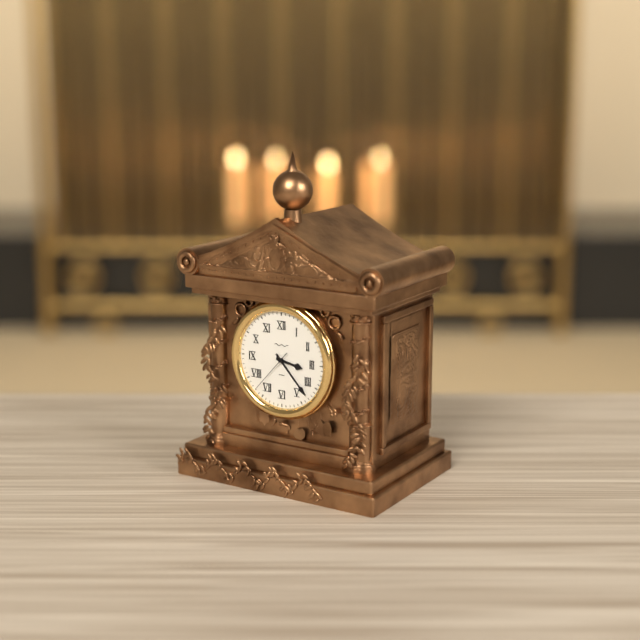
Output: 3h23
